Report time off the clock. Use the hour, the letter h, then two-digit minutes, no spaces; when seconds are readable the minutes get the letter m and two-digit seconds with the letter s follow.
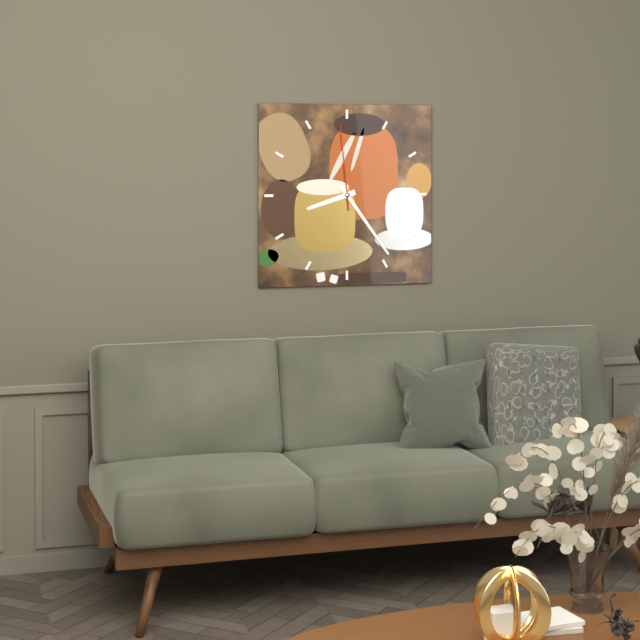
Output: 8h24m59s
